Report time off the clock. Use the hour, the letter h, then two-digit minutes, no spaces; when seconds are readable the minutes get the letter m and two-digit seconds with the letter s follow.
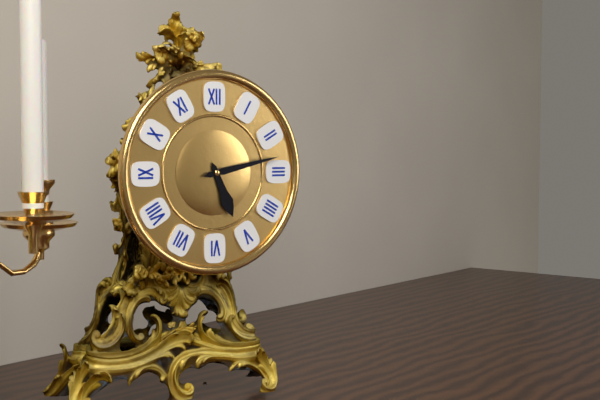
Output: 5h13
